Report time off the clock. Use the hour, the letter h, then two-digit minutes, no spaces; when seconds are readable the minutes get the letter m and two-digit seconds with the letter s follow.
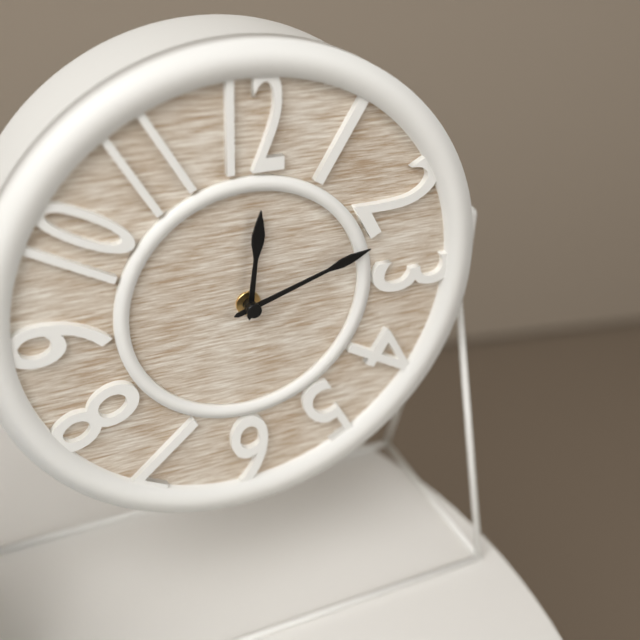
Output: 12h12
